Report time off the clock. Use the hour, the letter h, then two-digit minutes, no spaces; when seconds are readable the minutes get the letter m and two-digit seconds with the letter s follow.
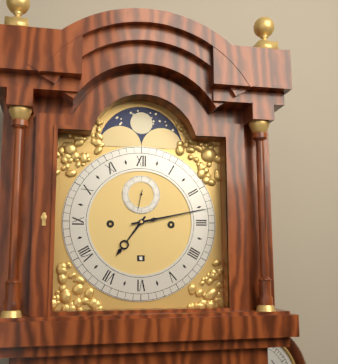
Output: 7h13
